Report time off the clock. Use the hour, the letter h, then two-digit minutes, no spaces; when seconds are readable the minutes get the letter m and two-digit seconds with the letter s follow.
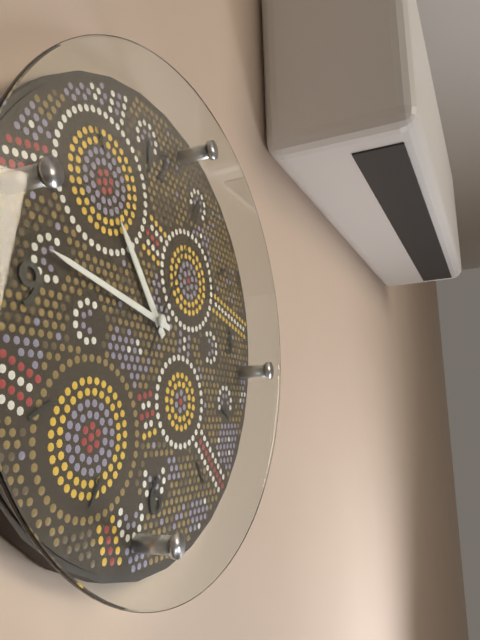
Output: 10h47m05s
